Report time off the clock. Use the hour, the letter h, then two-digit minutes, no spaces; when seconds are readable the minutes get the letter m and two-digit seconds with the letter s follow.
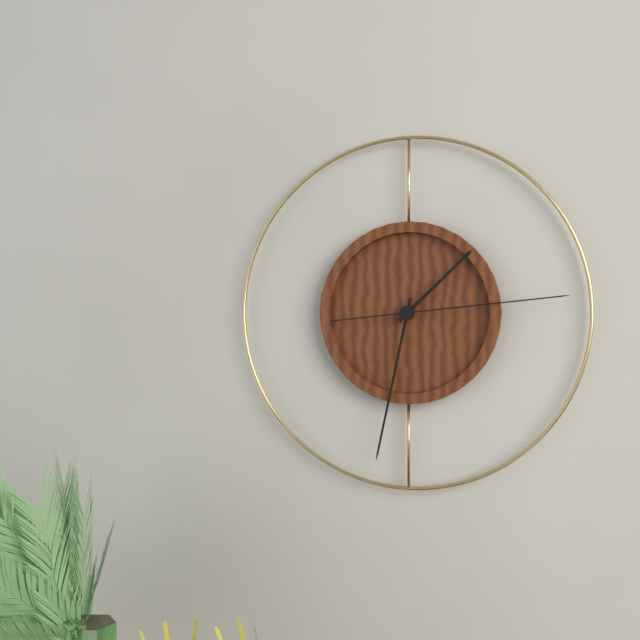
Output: 1h32m14s
